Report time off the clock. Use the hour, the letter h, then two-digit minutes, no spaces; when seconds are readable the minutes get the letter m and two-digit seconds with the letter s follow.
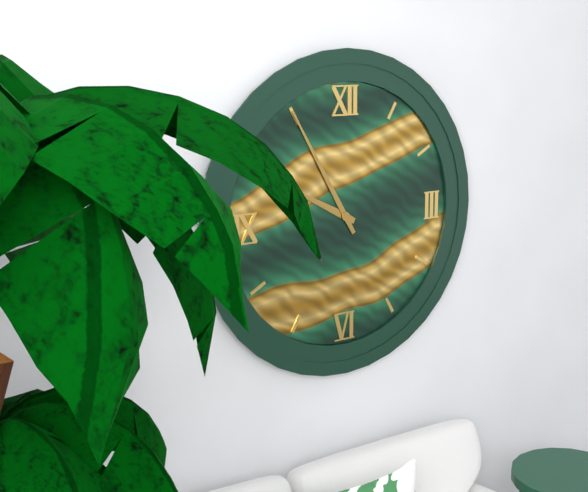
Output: 9h55
